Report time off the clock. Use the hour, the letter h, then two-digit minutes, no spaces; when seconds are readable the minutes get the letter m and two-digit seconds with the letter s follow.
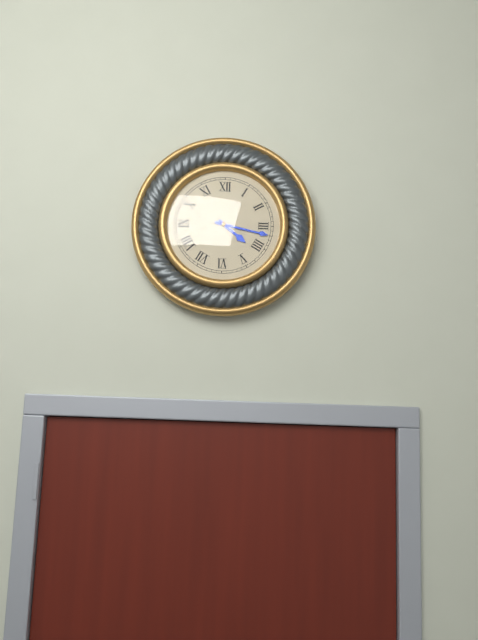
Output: 4h17
